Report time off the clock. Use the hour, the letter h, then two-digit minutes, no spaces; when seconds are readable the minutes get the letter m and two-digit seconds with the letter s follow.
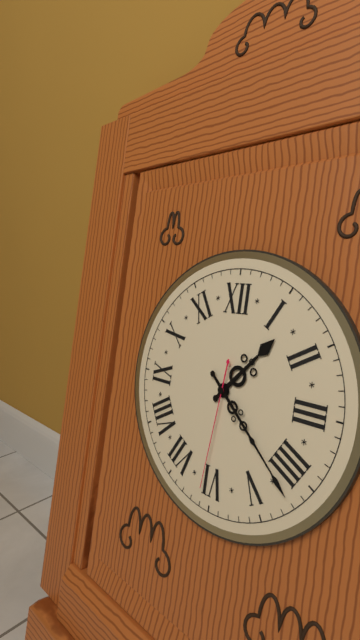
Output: 1h22m31s
